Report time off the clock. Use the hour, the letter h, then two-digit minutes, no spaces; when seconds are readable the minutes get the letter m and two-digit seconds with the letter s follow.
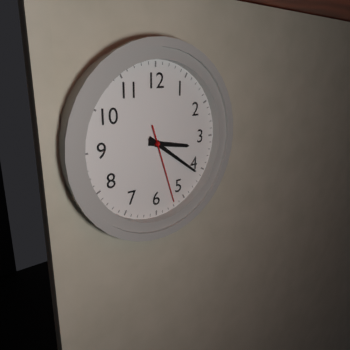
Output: 3h21m27s
